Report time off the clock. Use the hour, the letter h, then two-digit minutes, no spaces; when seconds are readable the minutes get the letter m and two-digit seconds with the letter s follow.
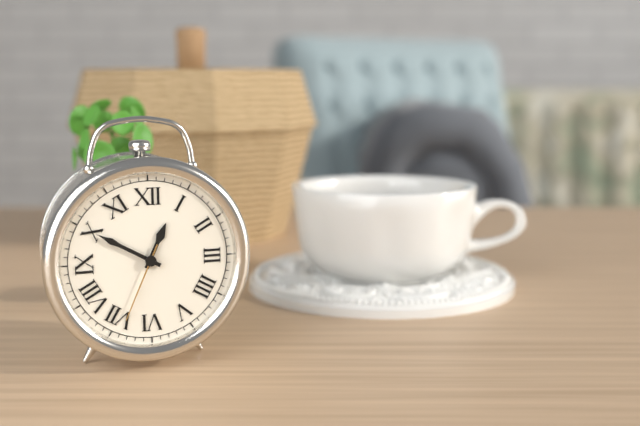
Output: 12h50m34s
